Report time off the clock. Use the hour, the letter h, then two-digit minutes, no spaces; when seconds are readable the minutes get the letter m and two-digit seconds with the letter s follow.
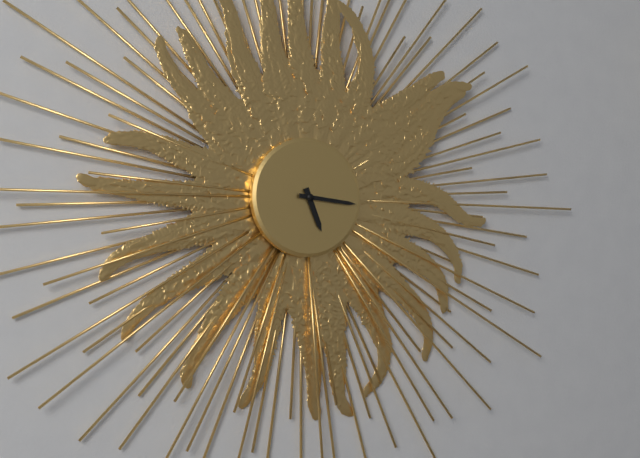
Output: 5h16
